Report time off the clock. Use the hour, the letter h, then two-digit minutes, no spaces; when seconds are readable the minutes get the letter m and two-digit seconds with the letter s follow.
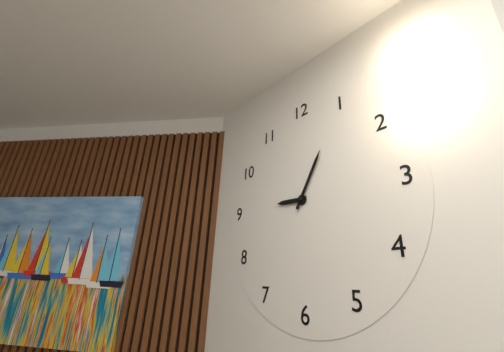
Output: 9h05
